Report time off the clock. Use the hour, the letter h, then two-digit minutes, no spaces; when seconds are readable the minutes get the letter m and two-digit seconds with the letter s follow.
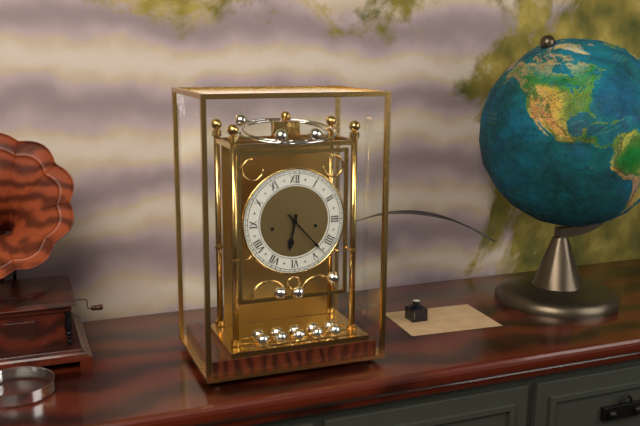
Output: 6h23
